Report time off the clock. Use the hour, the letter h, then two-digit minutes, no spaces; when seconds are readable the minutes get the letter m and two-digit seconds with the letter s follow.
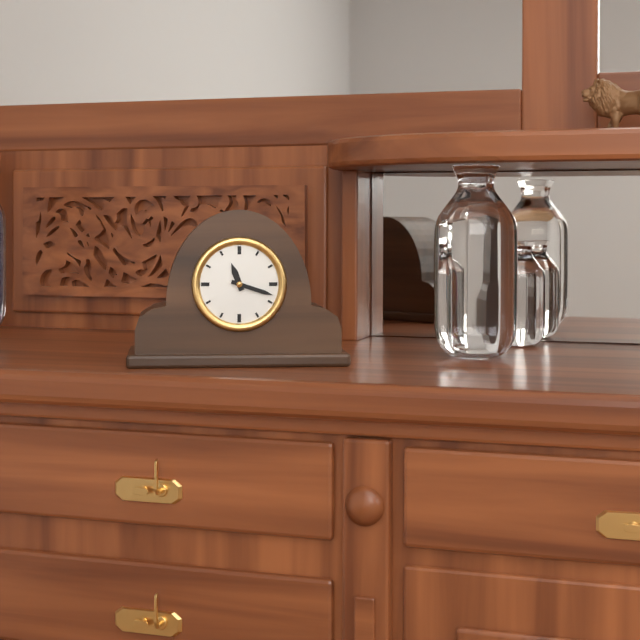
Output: 11h18
